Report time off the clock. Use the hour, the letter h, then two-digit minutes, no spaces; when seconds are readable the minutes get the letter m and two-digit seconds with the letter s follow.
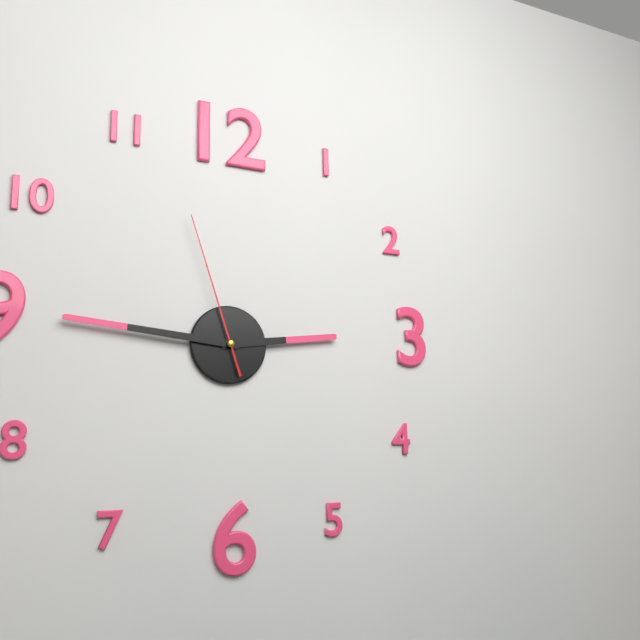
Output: 2h46m57s
